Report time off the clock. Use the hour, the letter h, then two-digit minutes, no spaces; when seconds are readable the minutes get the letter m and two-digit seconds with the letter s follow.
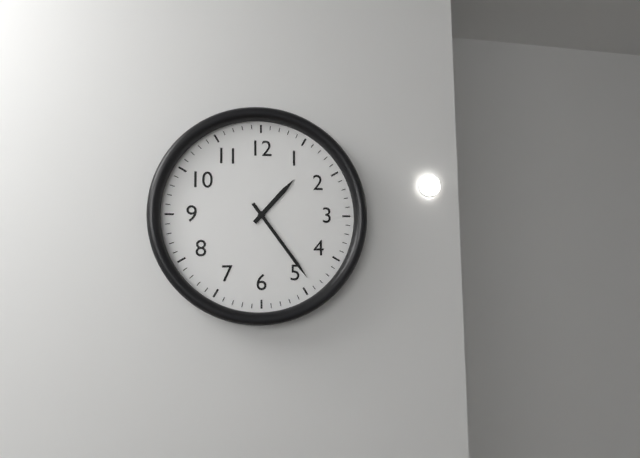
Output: 1h24
